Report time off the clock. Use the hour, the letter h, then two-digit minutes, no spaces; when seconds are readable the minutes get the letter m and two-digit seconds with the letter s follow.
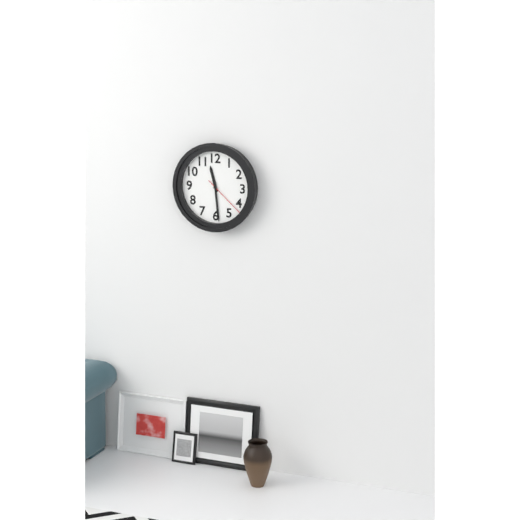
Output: 11h29
